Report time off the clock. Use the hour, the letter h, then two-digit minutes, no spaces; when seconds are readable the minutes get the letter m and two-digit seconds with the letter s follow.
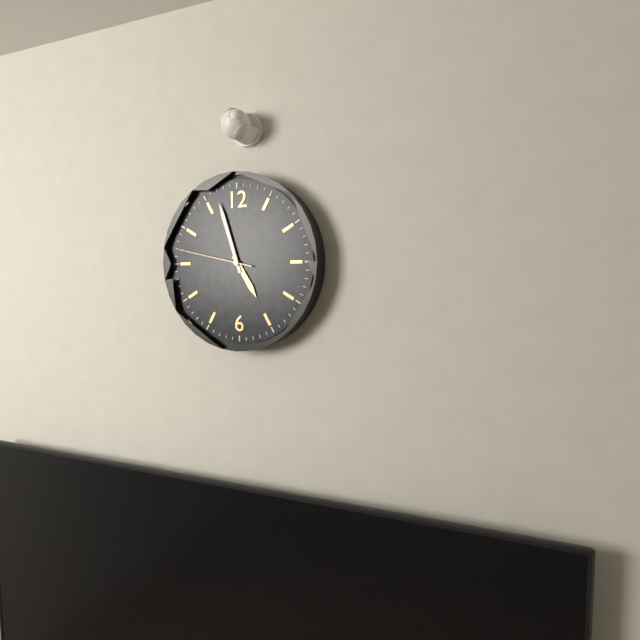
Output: 4h57m47s
